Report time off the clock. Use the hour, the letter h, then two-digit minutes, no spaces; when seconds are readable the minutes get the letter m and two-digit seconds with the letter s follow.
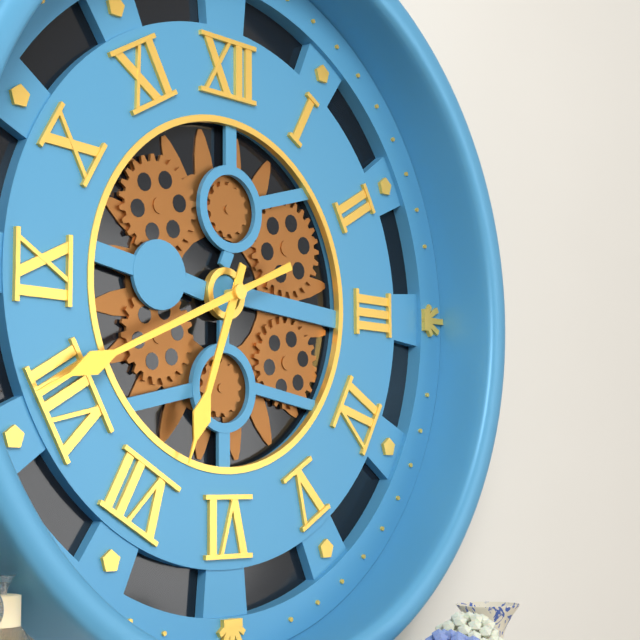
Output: 6h41
